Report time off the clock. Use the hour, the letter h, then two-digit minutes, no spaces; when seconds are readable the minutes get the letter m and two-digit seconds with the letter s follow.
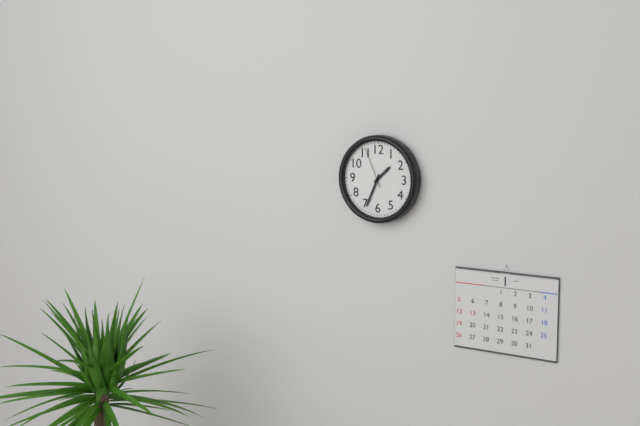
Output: 1h34
